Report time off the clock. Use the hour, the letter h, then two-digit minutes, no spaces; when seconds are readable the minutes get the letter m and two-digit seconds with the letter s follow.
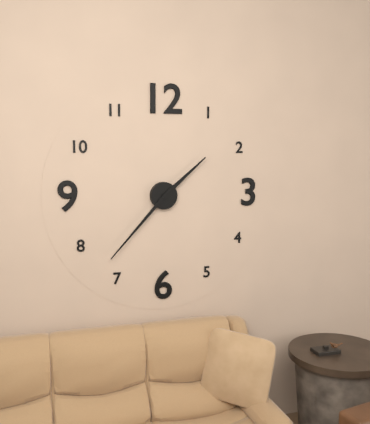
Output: 1h37
